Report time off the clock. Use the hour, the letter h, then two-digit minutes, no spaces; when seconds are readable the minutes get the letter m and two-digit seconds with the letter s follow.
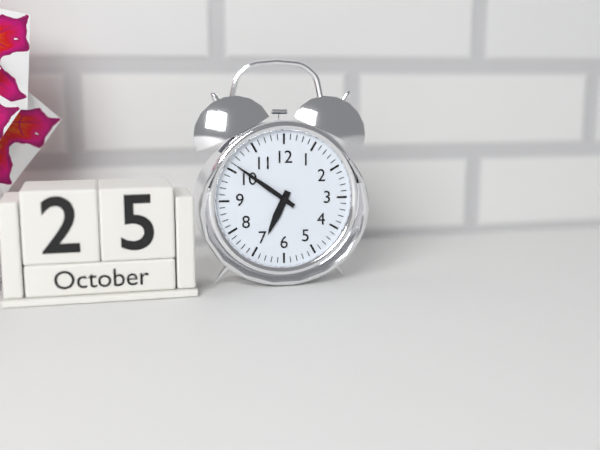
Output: 6h51
